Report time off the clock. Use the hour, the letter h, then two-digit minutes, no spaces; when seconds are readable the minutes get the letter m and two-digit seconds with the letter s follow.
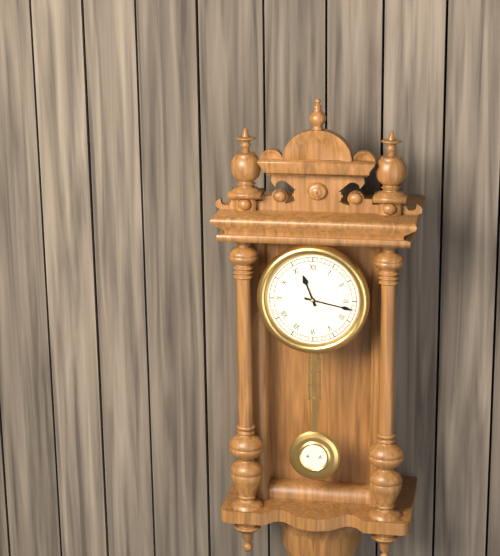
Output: 11h17
